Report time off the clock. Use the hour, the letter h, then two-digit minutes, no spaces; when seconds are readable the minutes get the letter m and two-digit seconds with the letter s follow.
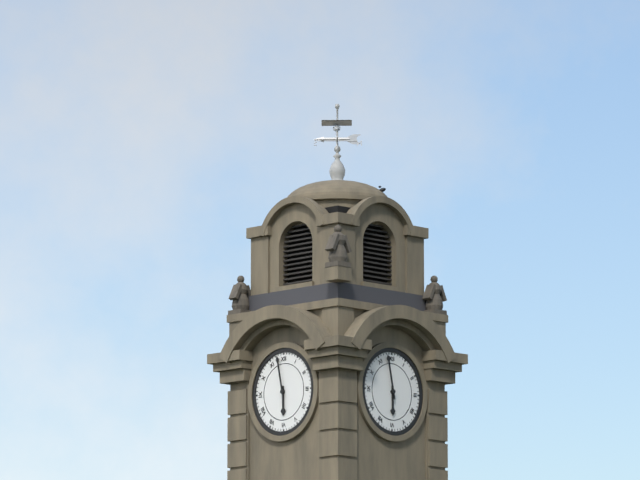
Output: 5h58
